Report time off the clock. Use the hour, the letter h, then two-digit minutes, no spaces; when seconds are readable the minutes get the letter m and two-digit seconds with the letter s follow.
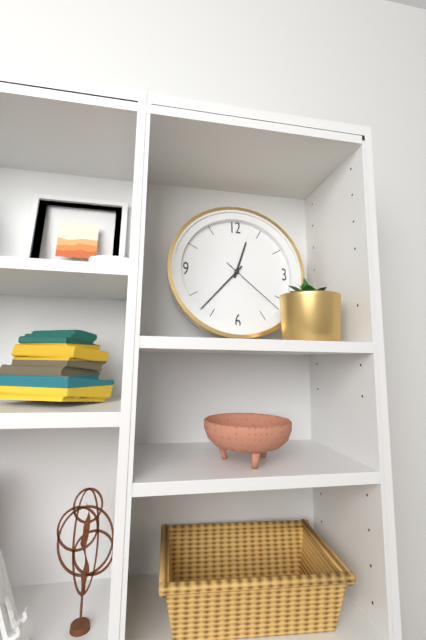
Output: 12h37m22s
